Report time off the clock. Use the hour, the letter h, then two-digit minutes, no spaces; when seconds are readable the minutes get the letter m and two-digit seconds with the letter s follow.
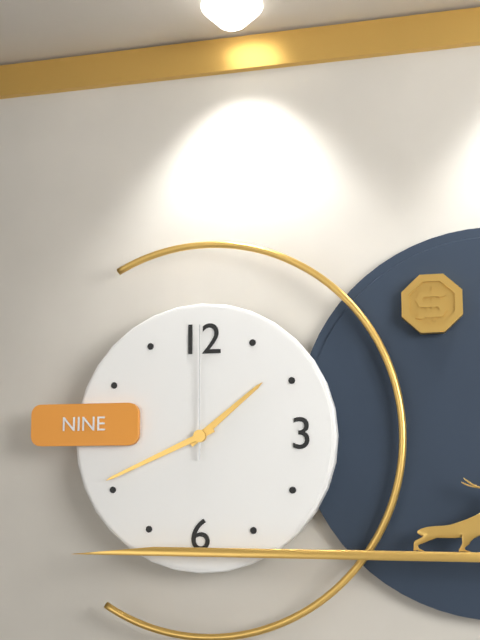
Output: 1h41m00s
